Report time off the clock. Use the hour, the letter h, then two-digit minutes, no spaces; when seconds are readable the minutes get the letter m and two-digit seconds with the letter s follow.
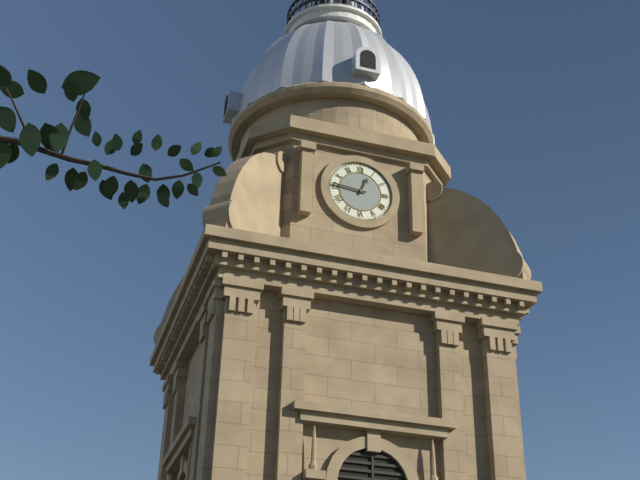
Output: 12h46
